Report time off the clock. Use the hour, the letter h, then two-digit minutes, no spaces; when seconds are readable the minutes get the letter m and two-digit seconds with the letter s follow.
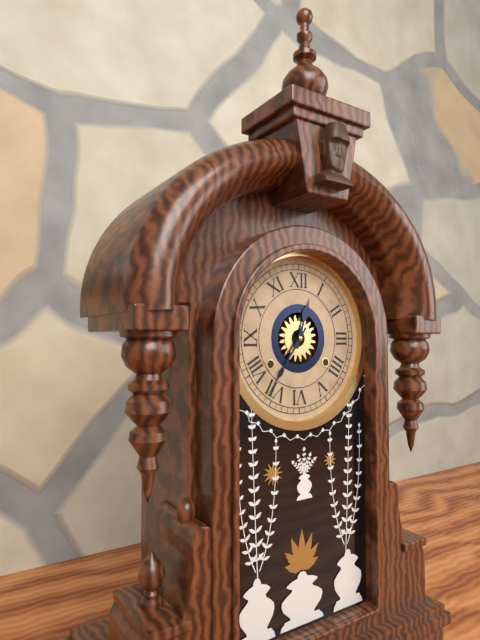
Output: 12h36
